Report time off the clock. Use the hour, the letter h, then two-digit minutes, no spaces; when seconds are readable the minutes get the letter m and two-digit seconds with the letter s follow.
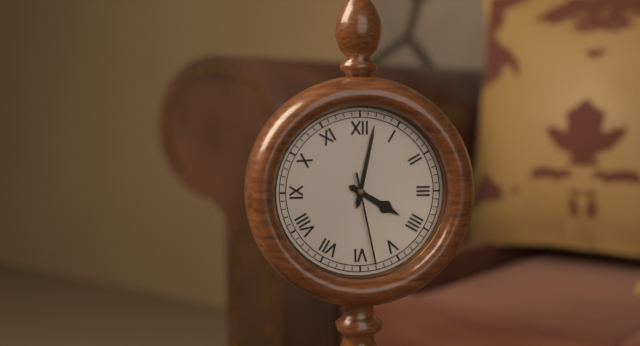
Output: 4h02m28s
